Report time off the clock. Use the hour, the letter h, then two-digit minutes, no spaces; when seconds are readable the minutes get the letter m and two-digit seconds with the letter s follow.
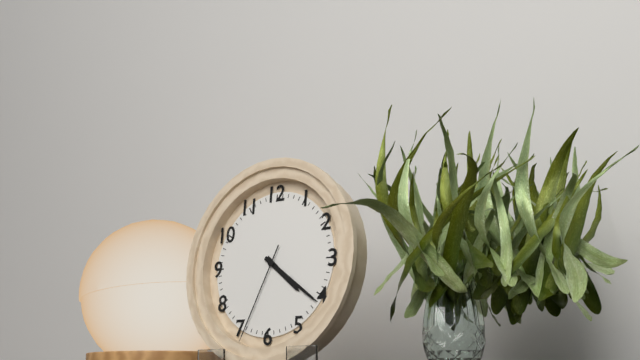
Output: 4h21m34s
